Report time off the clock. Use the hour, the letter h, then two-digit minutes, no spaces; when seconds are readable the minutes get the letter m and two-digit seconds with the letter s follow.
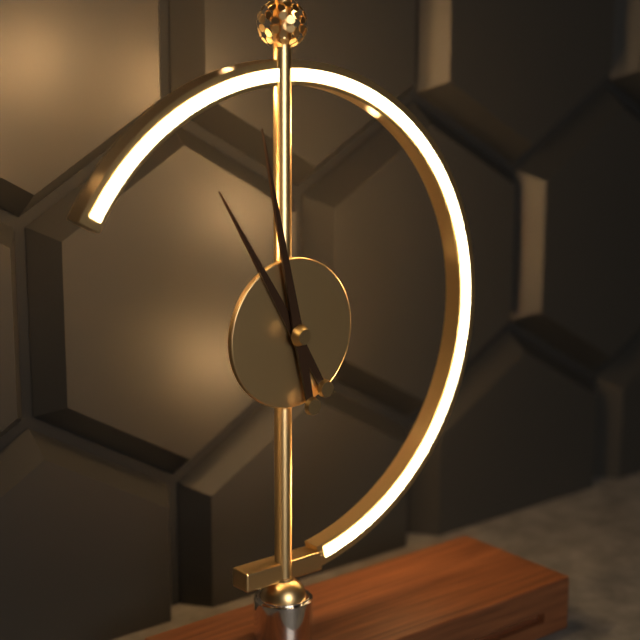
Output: 10h58
